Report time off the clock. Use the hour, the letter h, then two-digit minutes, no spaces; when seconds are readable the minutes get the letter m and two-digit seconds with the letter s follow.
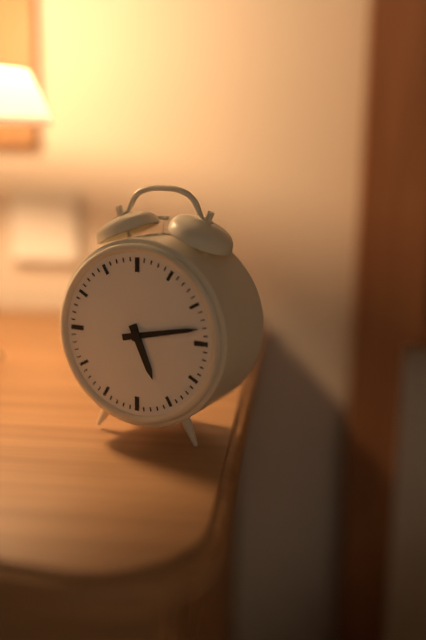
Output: 5h13
